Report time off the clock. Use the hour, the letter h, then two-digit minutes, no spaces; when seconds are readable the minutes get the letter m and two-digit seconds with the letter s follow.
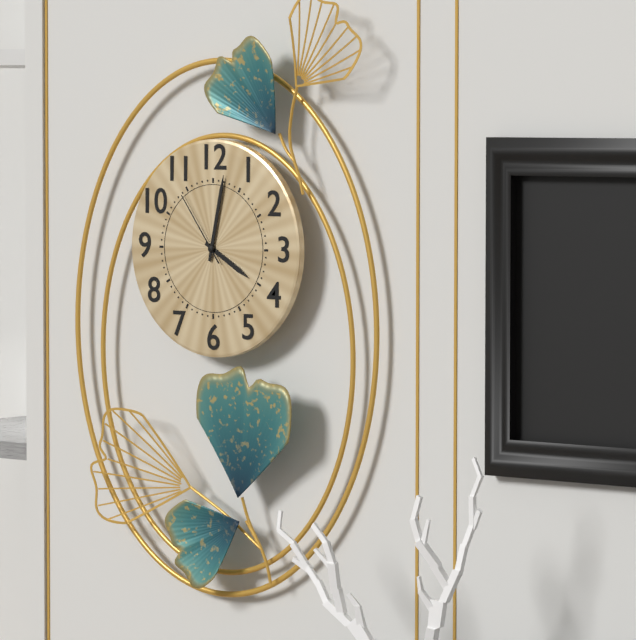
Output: 4h02m54s
